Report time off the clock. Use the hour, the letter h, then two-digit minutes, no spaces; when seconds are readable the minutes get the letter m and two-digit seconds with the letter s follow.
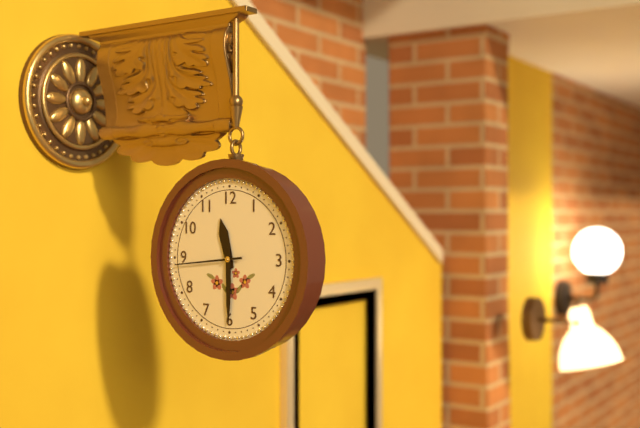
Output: 11h30m44s
